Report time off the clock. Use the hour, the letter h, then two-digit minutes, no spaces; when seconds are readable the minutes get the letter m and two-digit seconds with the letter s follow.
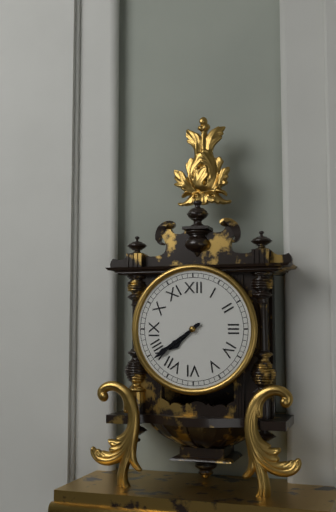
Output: 7h39
